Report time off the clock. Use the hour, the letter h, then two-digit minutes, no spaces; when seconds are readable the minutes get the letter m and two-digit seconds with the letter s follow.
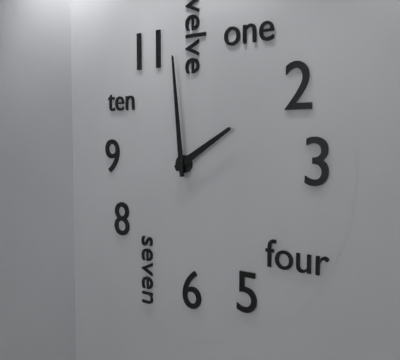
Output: 1h59
